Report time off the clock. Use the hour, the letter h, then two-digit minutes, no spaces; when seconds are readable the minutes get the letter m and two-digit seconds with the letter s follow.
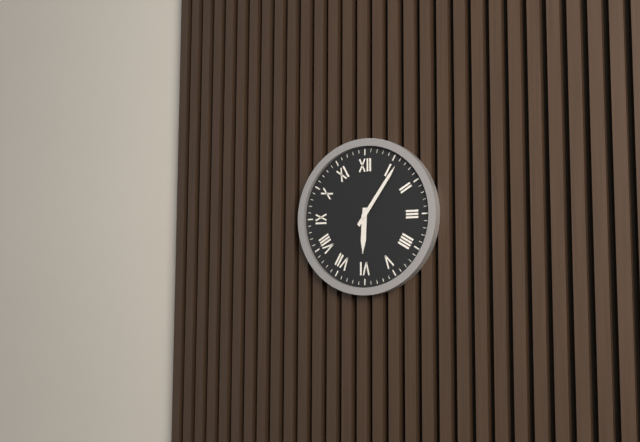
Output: 6h06
